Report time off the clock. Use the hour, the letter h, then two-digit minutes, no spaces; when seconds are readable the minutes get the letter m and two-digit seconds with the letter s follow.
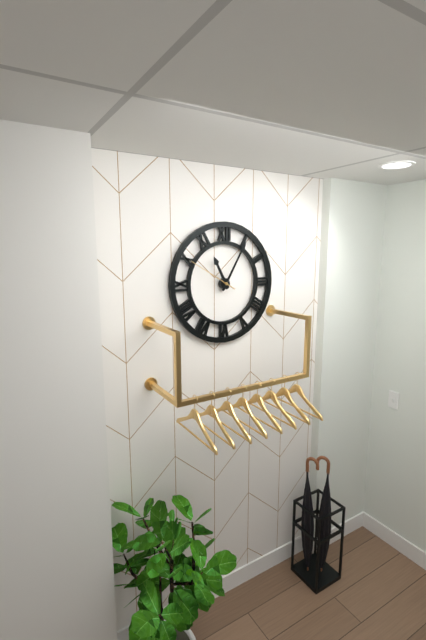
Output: 11h05
